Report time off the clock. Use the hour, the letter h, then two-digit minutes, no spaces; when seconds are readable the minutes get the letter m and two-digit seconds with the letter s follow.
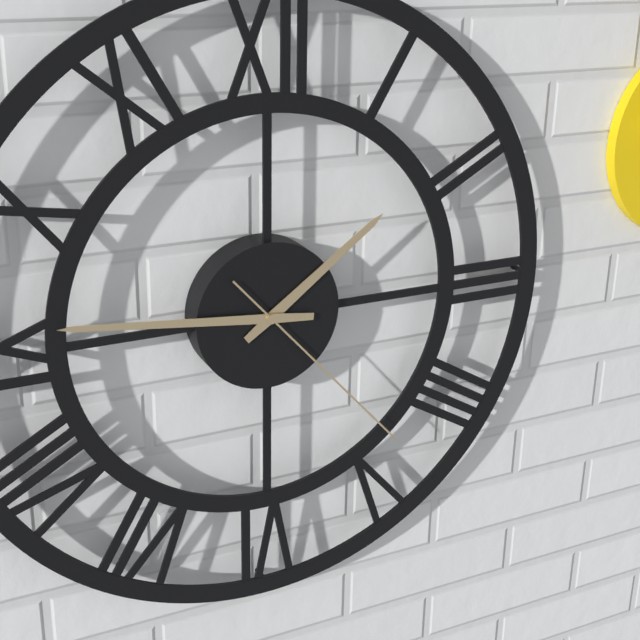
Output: 1h46m23s
